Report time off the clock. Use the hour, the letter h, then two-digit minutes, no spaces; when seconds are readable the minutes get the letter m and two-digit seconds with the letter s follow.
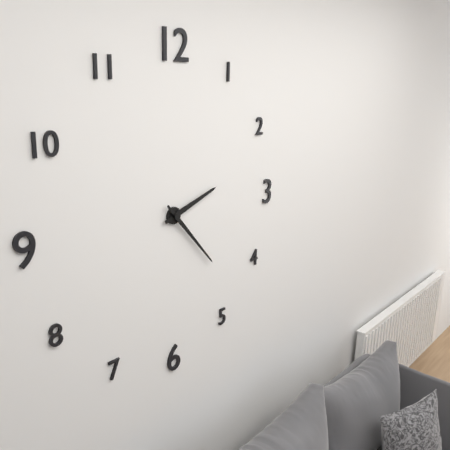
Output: 2h23
